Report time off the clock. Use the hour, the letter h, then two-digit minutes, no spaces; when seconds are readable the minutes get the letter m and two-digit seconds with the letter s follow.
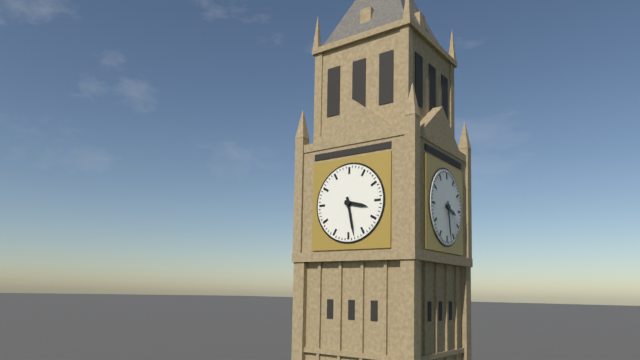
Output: 3h28
